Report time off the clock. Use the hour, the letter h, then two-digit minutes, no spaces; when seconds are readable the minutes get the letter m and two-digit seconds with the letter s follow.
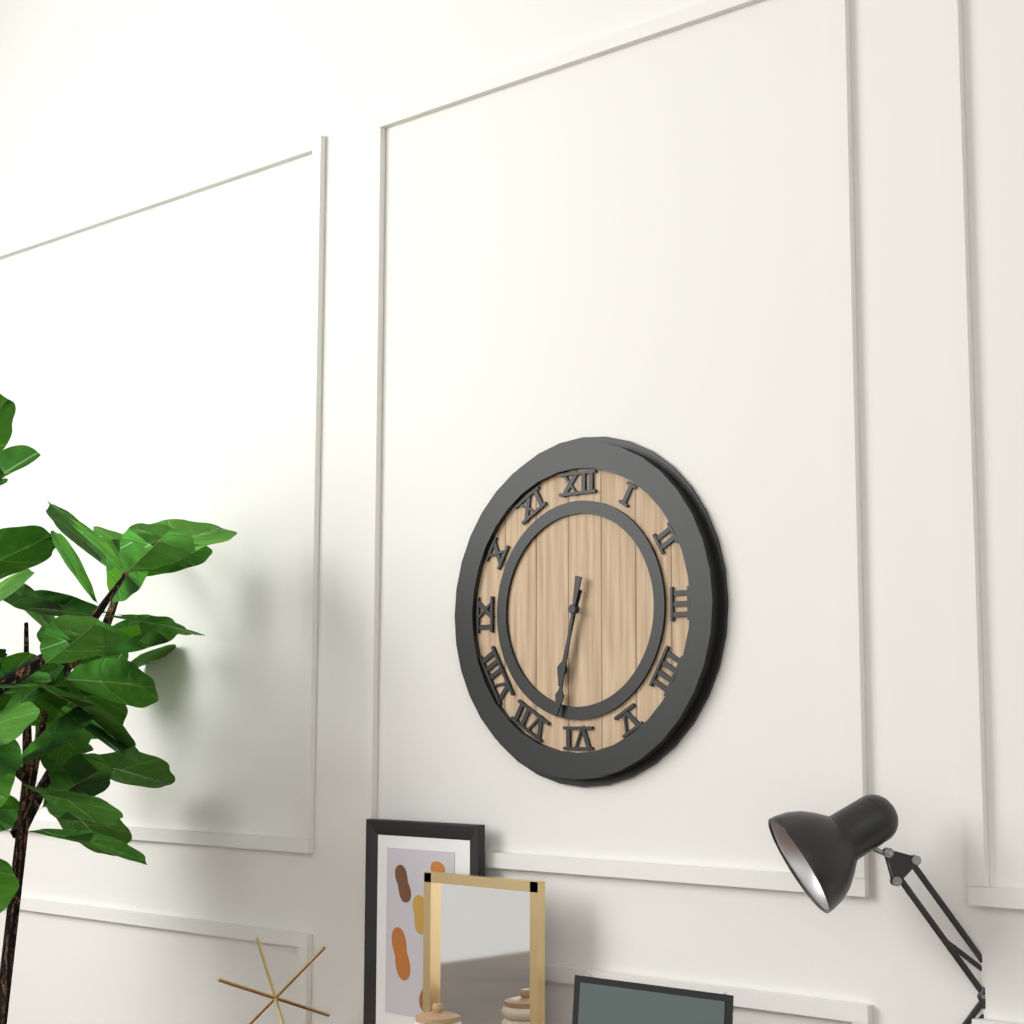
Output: 6h32
